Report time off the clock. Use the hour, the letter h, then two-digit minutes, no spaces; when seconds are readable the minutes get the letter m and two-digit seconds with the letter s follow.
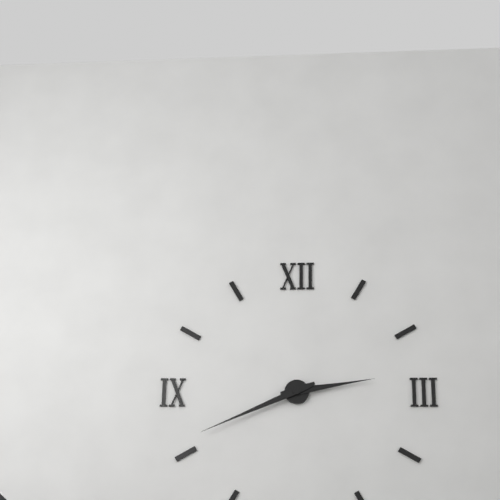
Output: 2h41
